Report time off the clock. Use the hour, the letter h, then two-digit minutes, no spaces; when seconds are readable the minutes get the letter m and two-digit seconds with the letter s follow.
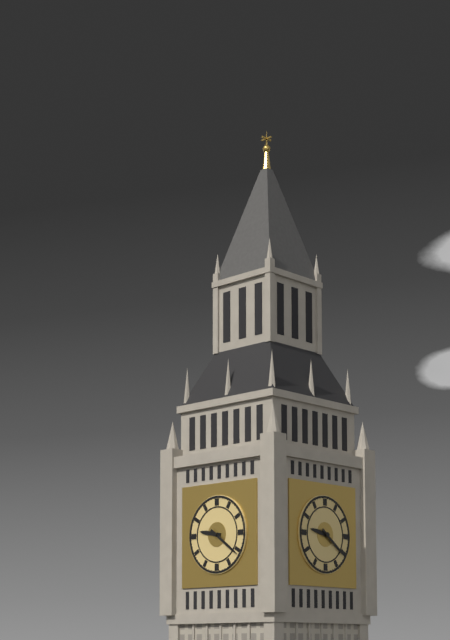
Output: 9h21
